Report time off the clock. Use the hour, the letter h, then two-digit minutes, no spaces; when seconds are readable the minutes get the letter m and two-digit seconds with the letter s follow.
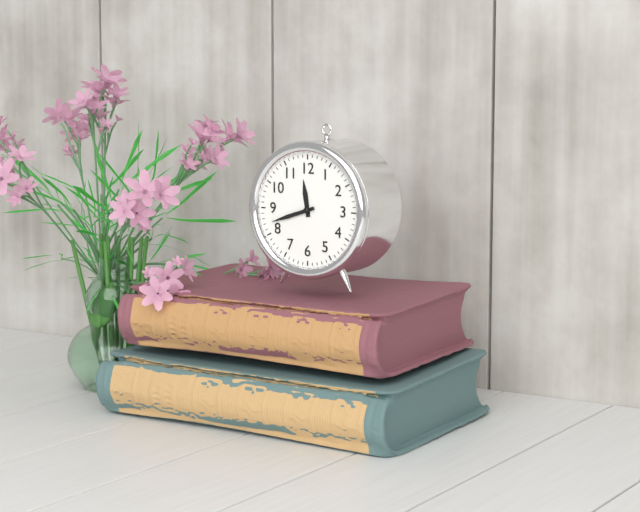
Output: 11h42
